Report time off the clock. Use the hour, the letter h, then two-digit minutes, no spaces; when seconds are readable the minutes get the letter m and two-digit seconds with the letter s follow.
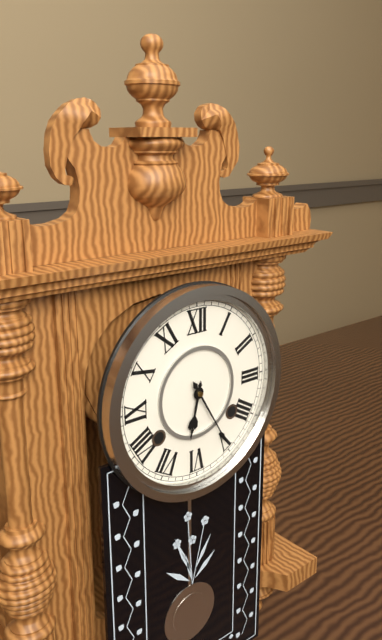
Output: 6h25
